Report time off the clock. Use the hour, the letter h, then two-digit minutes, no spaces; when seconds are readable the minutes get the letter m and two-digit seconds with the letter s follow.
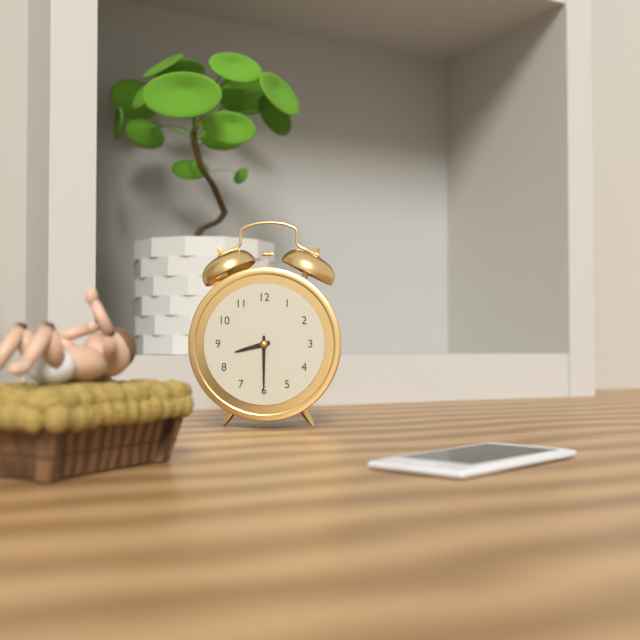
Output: 8h30
